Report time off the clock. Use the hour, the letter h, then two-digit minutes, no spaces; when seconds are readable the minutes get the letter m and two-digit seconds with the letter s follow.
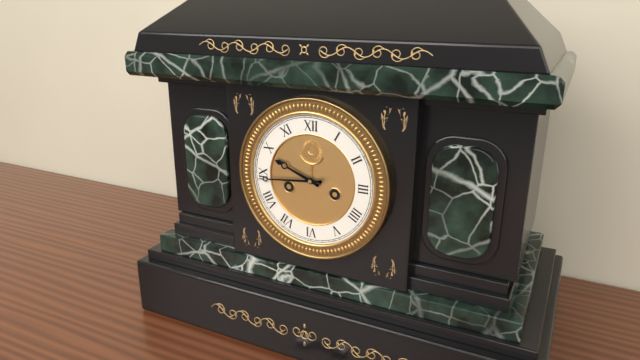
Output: 9h44
